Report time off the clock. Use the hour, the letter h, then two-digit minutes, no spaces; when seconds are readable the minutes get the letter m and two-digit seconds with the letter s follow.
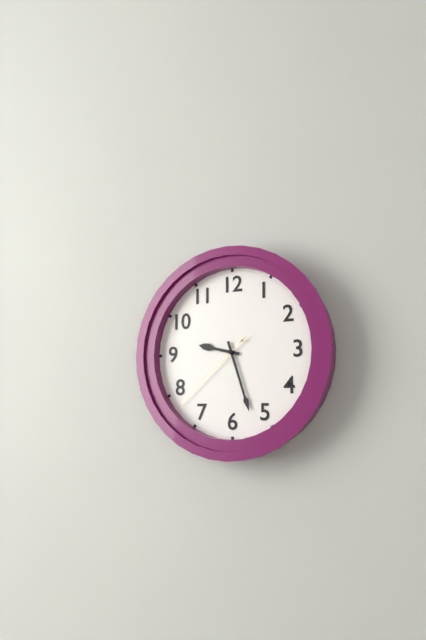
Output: 9h27m38s
